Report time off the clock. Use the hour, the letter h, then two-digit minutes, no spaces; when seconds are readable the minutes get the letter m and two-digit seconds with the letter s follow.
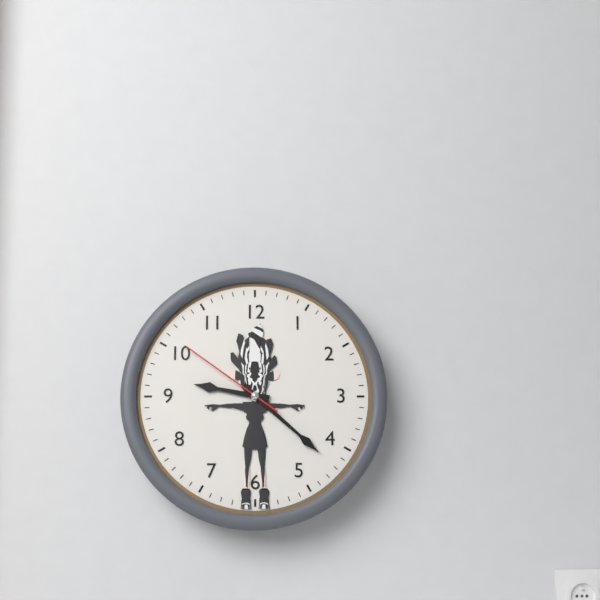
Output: 9h22m51s
